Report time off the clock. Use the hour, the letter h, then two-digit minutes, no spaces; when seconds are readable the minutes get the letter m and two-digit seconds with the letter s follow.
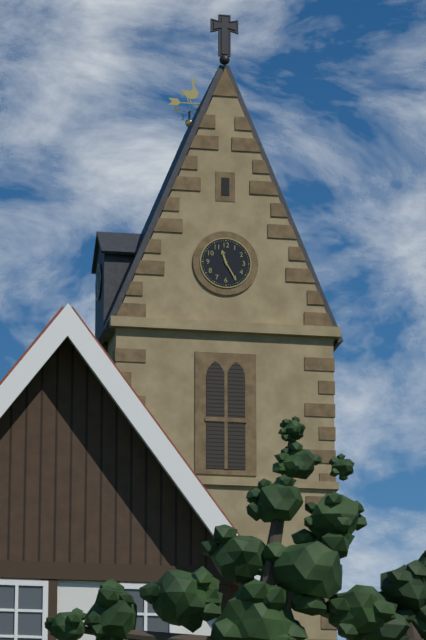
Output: 11h25
